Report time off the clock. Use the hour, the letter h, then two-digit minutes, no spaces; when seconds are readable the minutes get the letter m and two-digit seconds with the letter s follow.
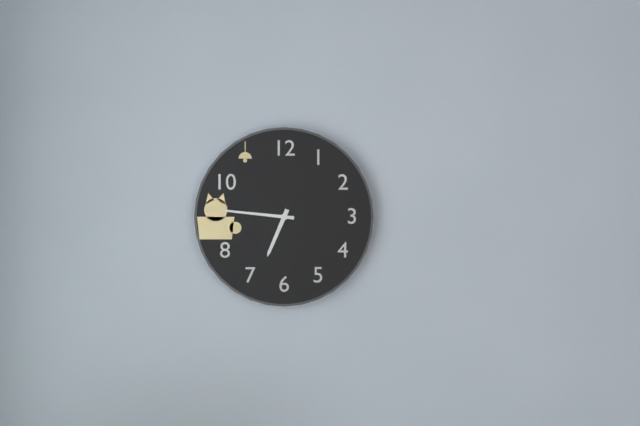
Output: 6h46
